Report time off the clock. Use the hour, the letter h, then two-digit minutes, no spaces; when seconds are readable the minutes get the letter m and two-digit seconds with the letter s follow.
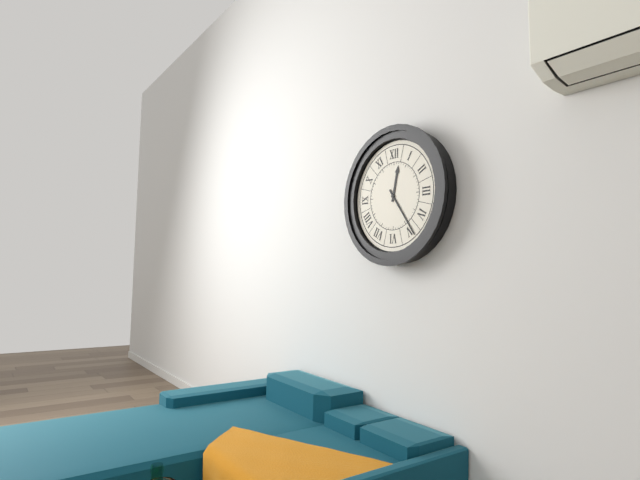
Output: 12h24
